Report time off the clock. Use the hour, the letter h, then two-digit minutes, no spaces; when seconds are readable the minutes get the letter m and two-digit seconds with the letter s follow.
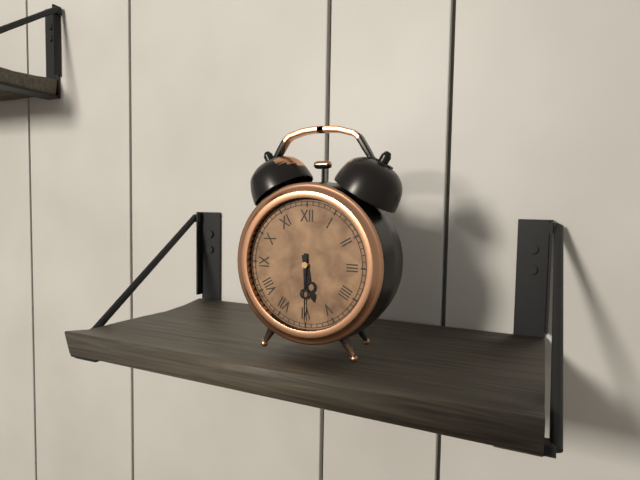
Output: 5h30
